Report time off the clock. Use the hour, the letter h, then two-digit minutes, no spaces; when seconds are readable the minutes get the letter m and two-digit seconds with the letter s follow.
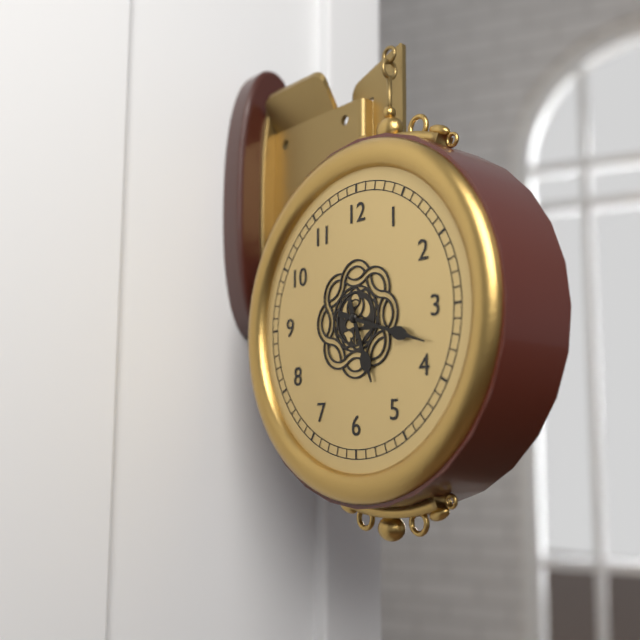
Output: 5h18
